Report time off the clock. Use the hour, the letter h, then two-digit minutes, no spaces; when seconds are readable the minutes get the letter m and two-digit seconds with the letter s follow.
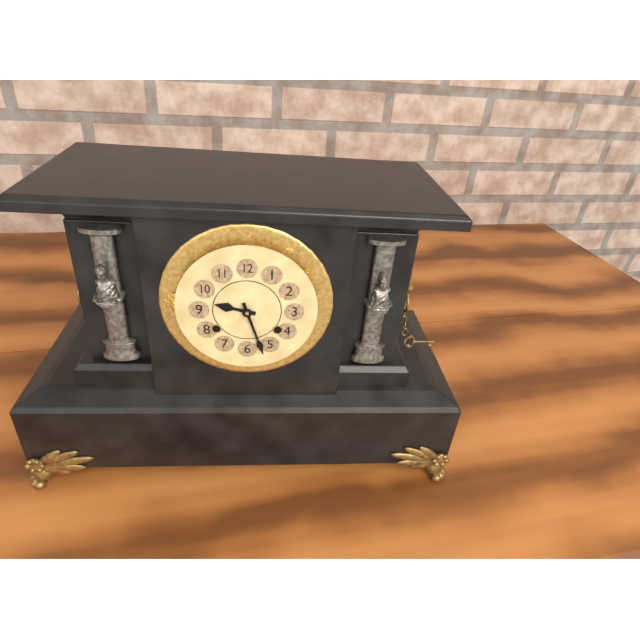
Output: 9h27
